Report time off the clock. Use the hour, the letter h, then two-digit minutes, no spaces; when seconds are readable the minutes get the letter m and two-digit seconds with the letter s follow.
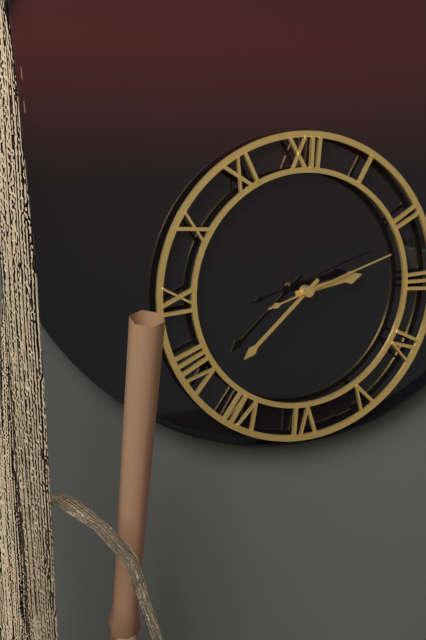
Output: 2h38m12s
